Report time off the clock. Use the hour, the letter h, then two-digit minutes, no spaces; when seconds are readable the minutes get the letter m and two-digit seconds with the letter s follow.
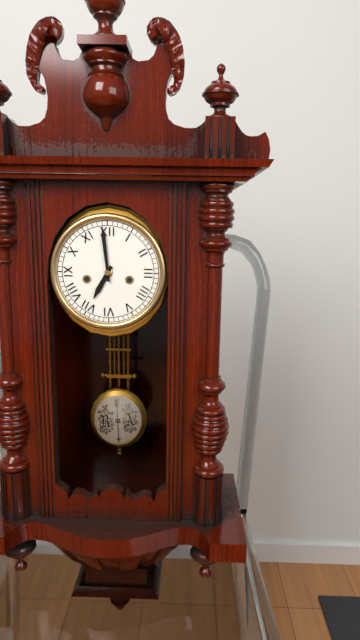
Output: 6h59
